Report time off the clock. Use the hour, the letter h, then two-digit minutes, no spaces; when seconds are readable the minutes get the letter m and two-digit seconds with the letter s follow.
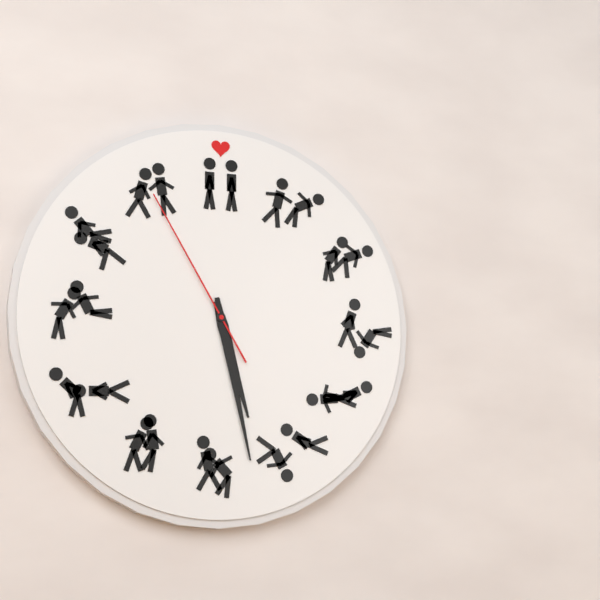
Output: 5h28m55s
